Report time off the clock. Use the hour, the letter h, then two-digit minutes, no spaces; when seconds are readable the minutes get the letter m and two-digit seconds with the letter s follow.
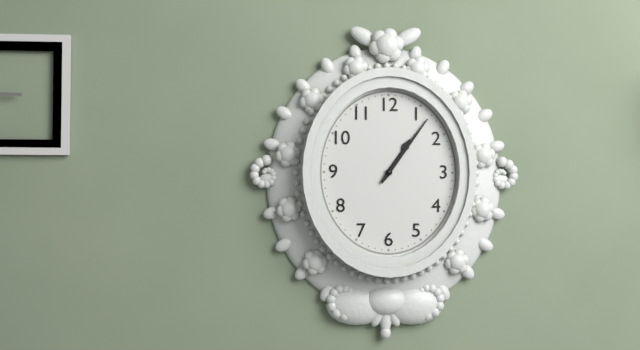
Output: 1h06
